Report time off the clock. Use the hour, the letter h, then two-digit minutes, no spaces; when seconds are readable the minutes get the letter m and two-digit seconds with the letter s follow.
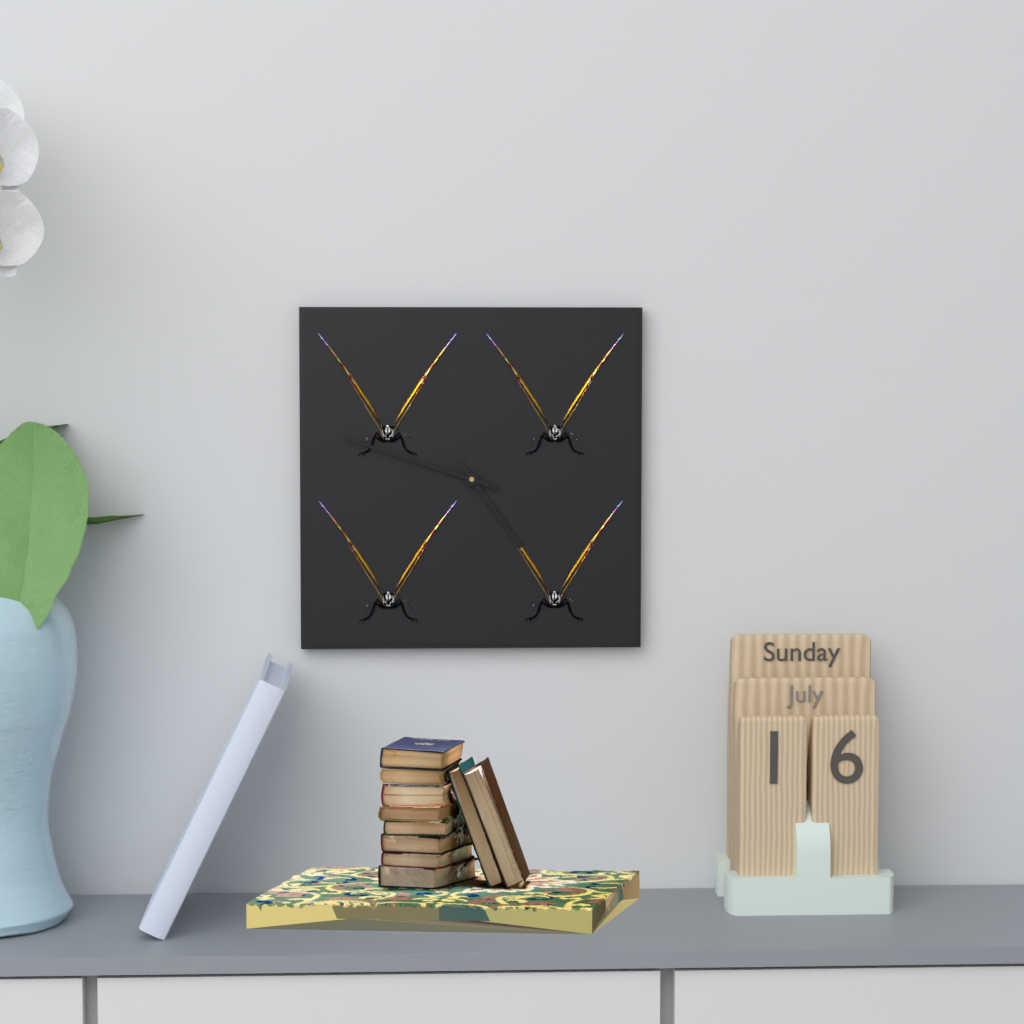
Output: 4h48
